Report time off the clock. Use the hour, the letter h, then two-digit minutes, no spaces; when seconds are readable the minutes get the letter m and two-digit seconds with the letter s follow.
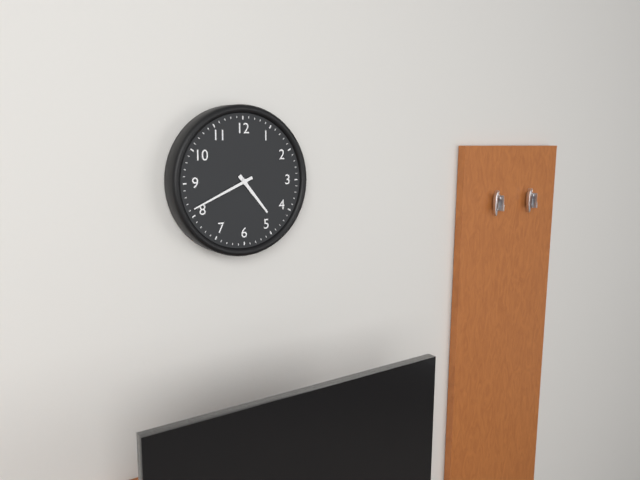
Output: 4h41
